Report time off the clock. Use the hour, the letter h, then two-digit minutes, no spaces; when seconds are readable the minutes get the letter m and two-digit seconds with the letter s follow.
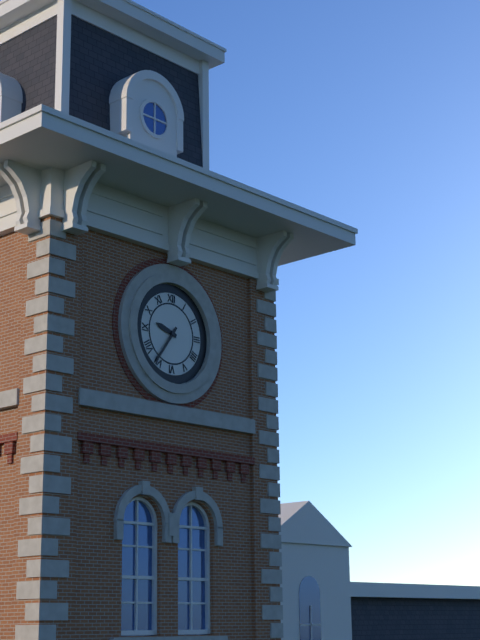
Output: 9h36
